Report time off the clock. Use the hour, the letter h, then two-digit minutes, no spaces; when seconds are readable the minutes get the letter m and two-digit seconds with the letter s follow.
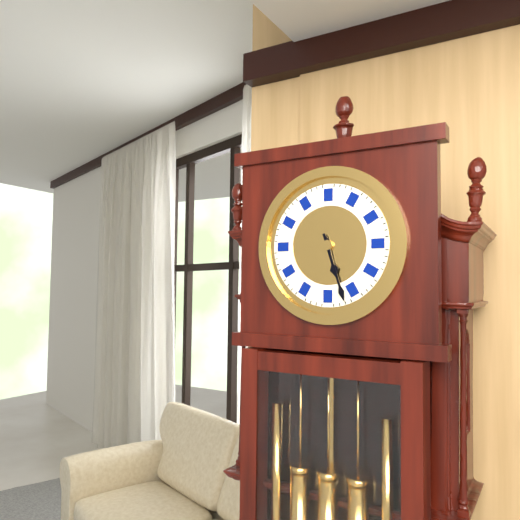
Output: 5h27
